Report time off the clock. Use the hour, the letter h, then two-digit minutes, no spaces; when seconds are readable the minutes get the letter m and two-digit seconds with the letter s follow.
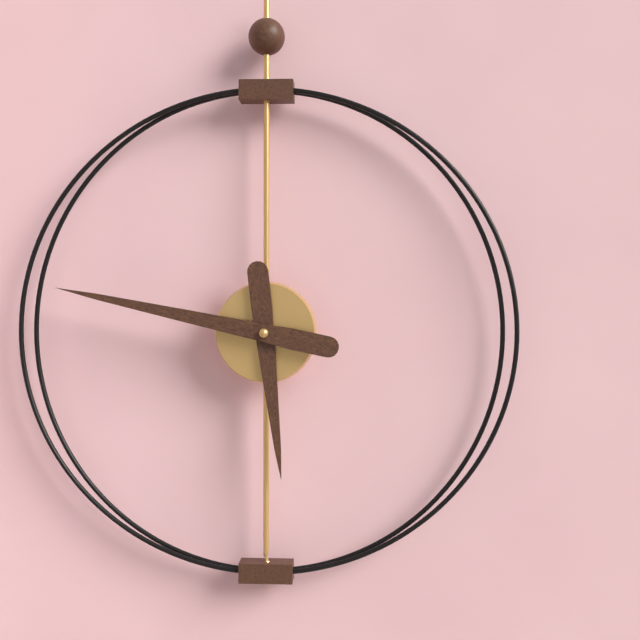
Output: 5h47
